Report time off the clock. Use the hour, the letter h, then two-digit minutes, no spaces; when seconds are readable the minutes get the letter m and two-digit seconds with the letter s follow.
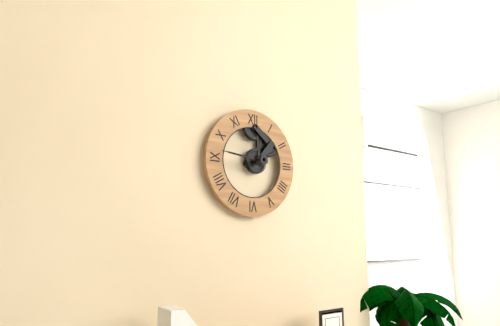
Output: 11h46
